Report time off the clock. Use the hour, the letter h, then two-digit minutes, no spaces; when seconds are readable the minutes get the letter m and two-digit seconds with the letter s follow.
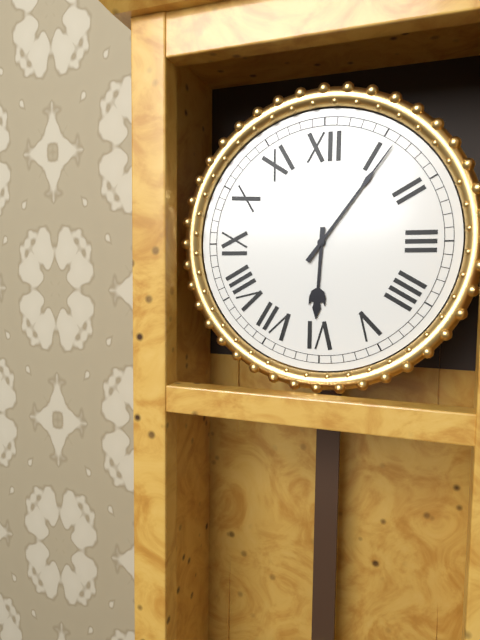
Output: 6h06
